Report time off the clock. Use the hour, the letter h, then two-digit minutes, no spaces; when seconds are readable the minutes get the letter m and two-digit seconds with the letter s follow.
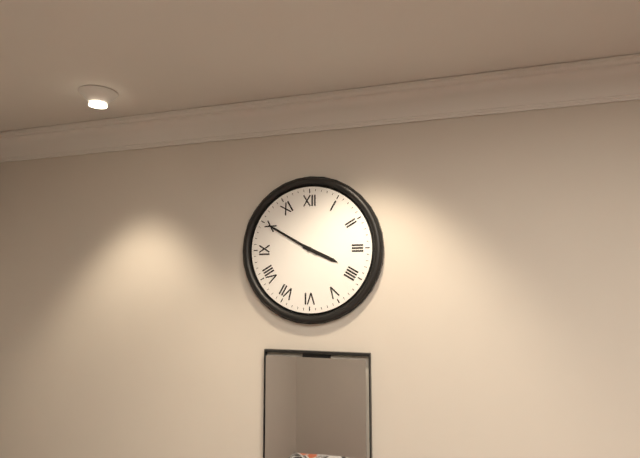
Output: 3h50
